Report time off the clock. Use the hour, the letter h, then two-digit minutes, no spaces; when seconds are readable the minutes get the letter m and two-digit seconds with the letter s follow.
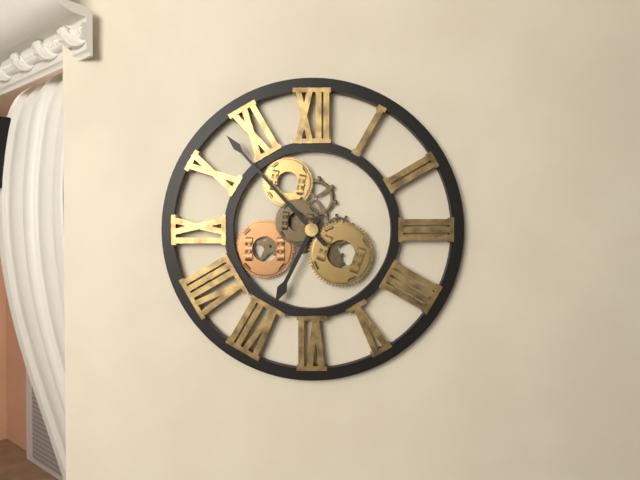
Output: 6h53
